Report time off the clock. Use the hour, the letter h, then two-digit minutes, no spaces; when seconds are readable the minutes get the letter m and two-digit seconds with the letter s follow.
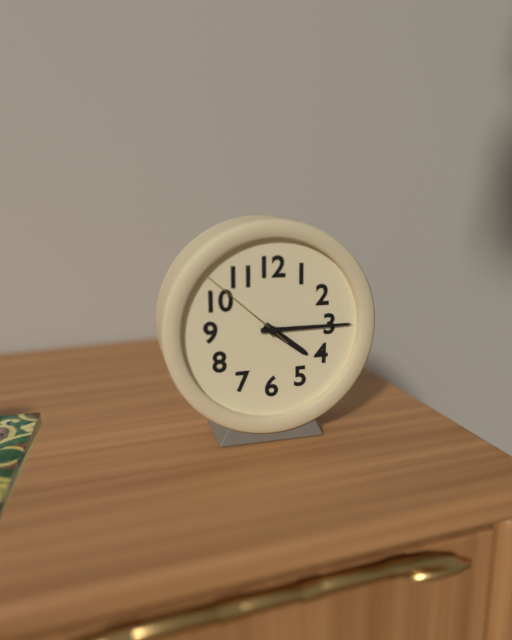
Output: 4h15m52s
